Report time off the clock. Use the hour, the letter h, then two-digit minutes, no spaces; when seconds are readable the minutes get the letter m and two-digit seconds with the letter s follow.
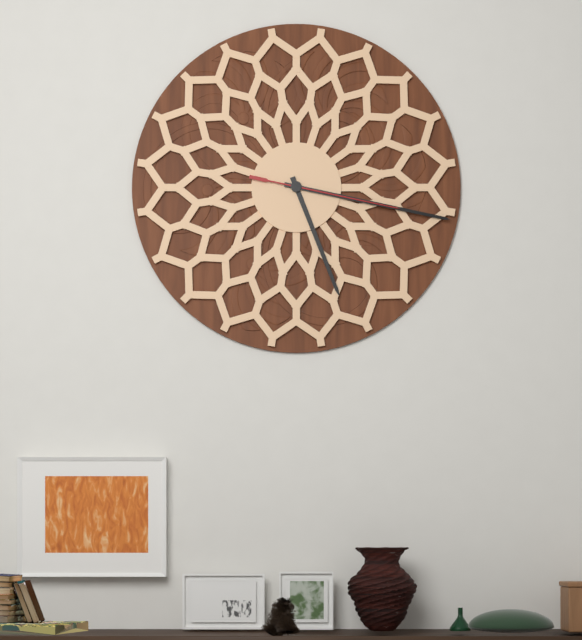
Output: 5h17m17s
